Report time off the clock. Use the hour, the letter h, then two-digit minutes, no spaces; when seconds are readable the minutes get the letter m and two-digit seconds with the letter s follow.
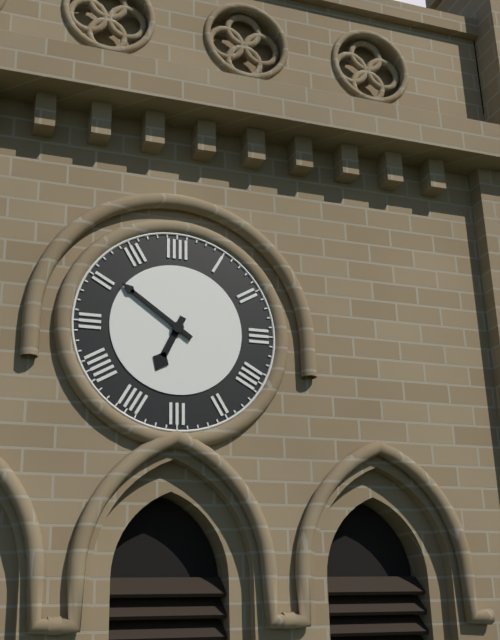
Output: 6h51
